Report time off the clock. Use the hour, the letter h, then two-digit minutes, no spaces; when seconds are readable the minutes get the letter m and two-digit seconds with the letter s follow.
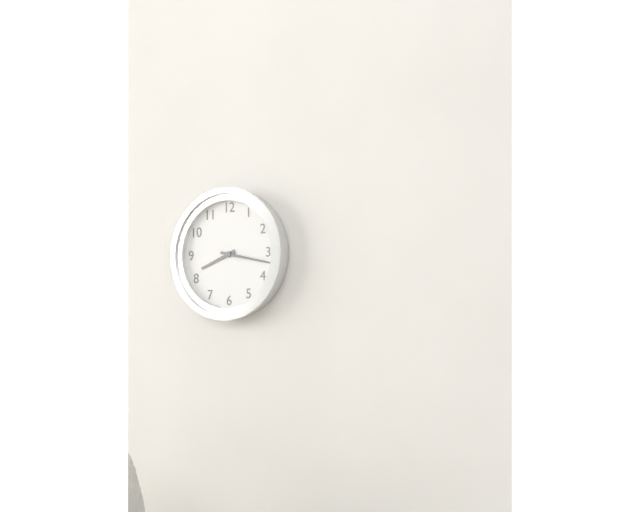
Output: 8h17
